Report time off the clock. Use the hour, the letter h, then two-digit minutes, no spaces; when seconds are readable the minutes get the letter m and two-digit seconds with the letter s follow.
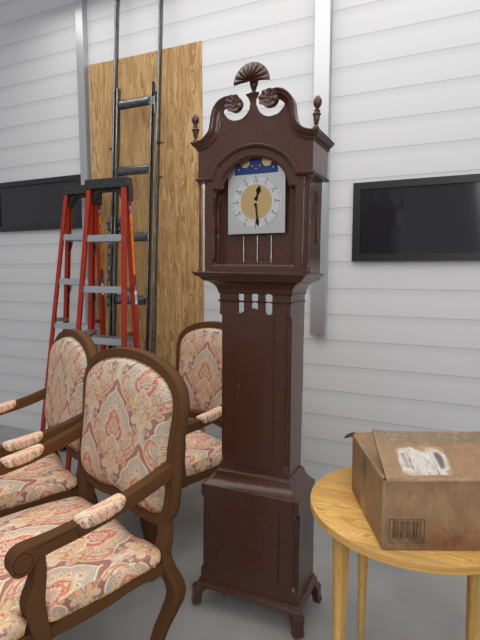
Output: 12h29
